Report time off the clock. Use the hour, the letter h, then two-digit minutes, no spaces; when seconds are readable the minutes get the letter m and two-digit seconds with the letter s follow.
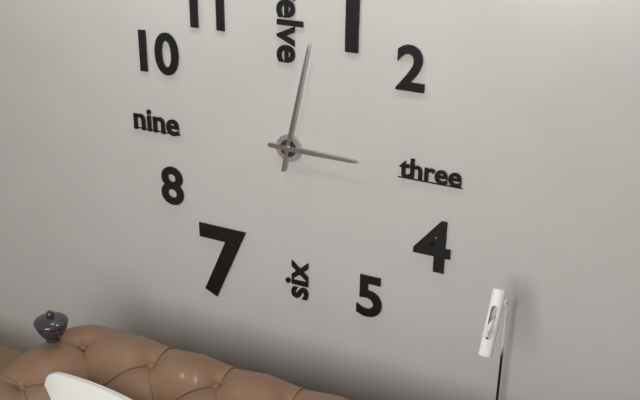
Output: 3h02
